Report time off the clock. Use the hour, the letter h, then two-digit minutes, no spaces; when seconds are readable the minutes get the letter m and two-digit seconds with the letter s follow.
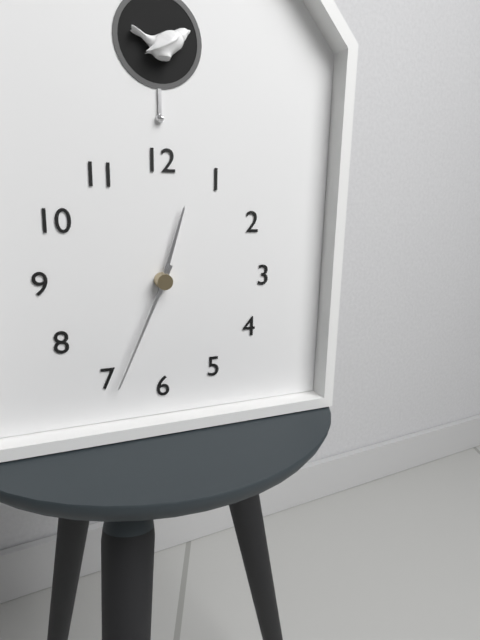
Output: 12h34
